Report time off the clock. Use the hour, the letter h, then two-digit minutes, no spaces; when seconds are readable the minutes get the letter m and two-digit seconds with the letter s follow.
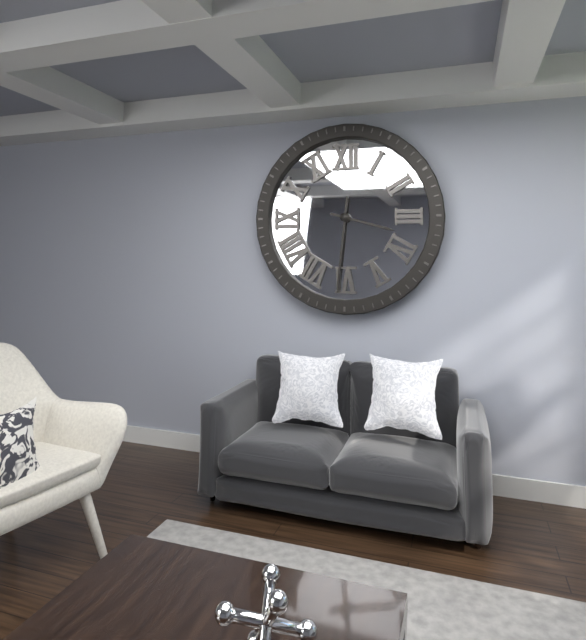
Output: 3h31
